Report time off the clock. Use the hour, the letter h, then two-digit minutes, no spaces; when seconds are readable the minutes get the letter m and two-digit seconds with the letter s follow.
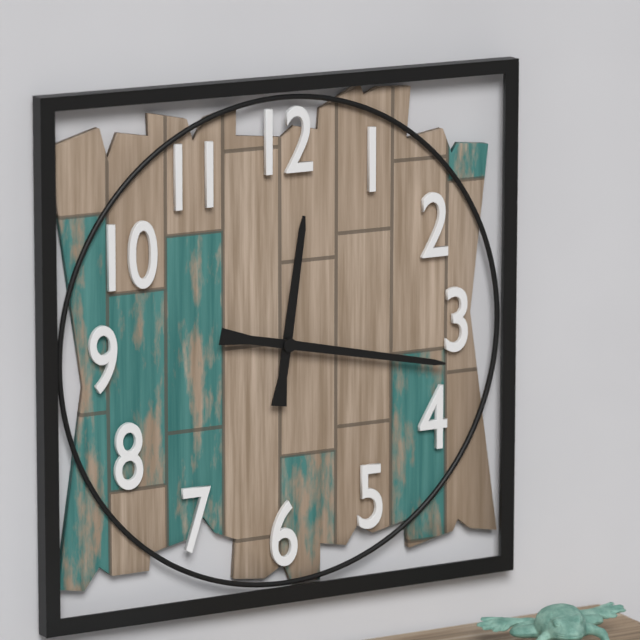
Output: 12h17
